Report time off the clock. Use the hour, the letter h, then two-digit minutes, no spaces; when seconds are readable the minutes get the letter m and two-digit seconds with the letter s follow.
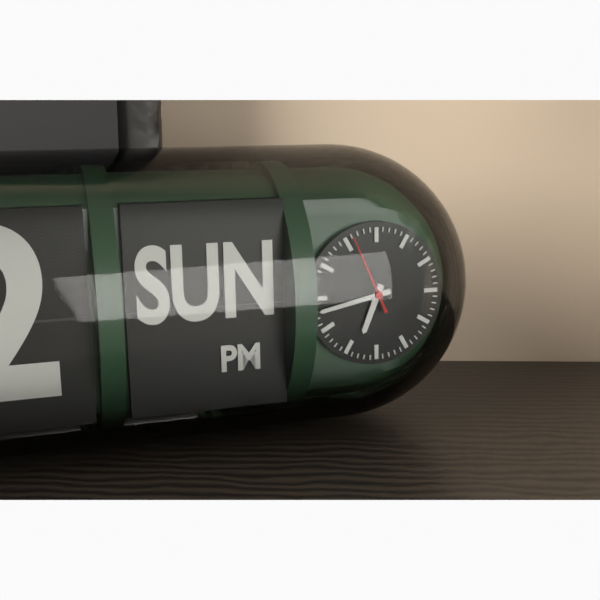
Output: 6h43m56s
